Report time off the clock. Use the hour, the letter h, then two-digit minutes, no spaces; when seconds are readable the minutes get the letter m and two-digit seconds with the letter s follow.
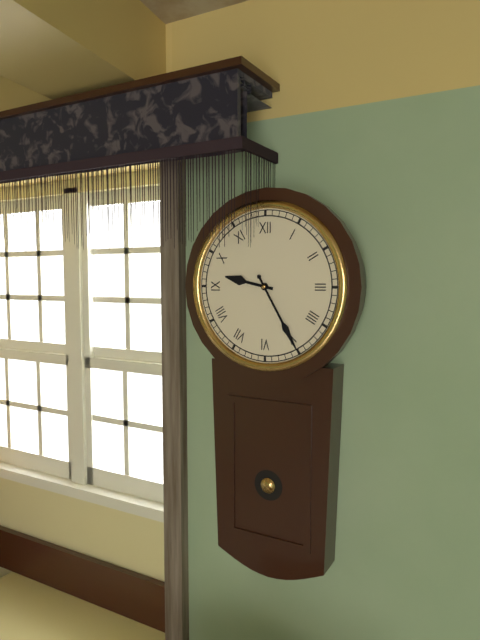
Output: 9h25
